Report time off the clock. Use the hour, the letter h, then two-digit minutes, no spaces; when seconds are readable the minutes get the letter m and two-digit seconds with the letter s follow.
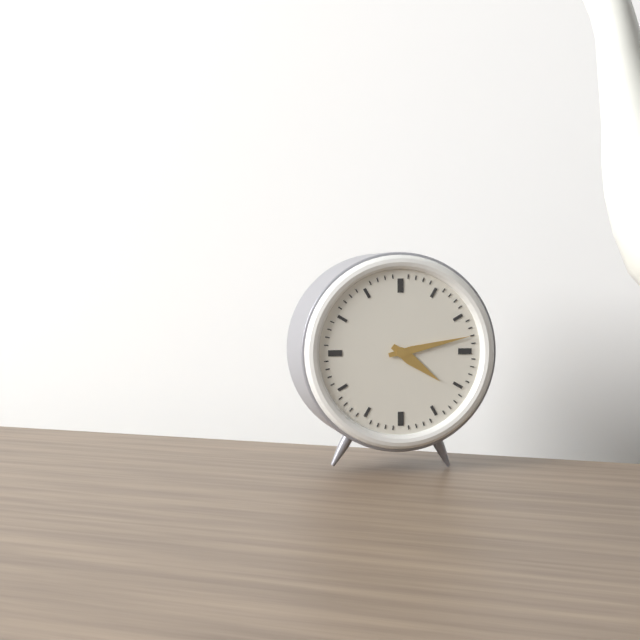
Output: 4h13
